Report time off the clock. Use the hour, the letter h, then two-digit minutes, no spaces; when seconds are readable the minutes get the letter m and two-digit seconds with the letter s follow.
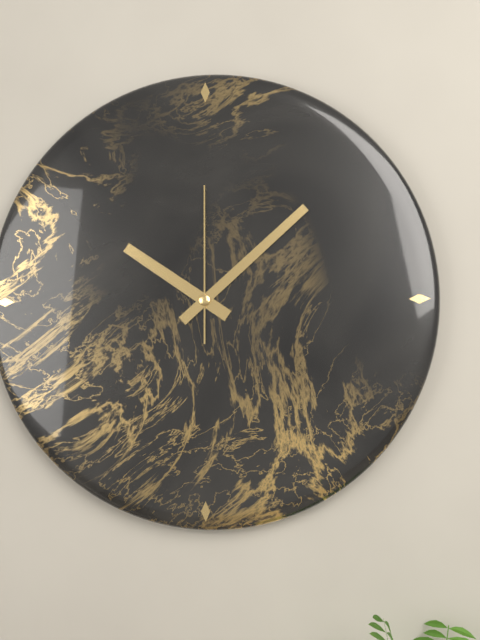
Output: 10h08m00s
